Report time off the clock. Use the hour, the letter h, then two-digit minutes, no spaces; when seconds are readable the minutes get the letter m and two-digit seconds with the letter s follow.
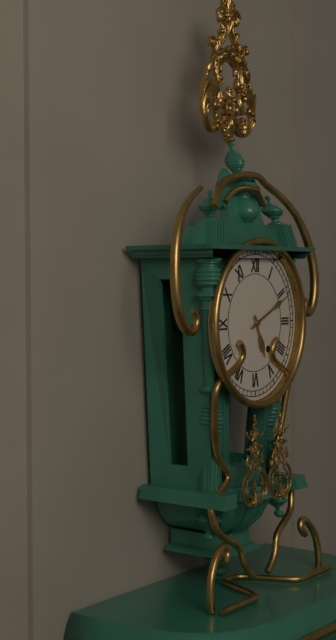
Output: 5h11
